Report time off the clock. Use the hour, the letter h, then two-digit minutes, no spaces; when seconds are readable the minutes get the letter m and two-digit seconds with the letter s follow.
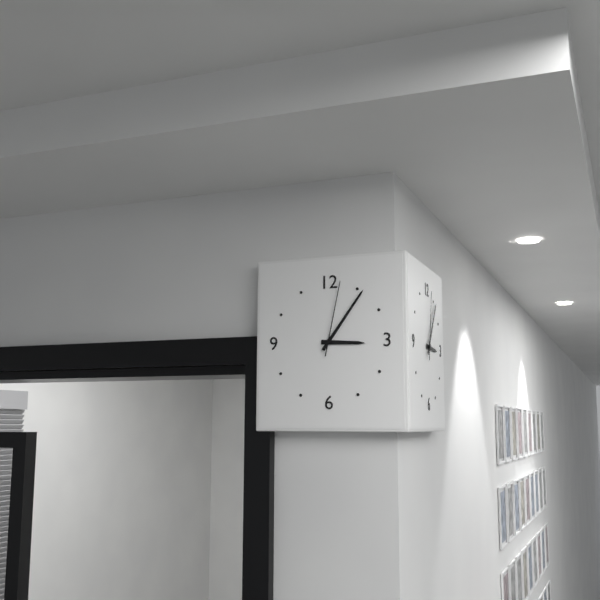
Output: 3h06m02s
